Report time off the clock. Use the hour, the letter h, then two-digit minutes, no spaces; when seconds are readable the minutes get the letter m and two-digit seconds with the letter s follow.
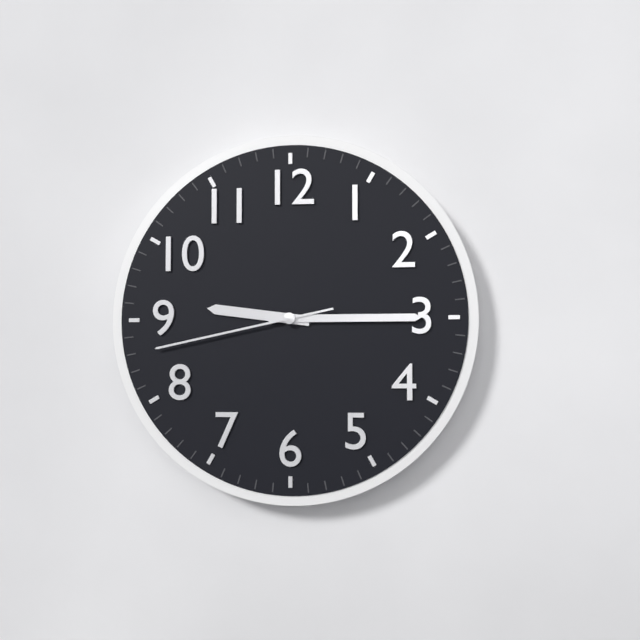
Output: 9h15m43s
